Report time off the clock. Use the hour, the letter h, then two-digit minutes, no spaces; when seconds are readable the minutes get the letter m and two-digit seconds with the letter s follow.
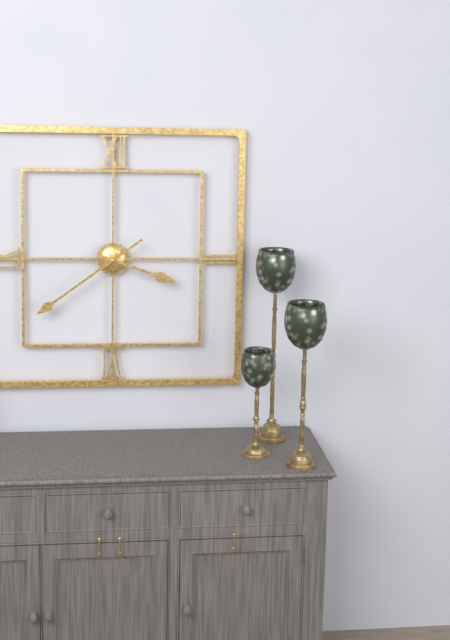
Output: 3h39
